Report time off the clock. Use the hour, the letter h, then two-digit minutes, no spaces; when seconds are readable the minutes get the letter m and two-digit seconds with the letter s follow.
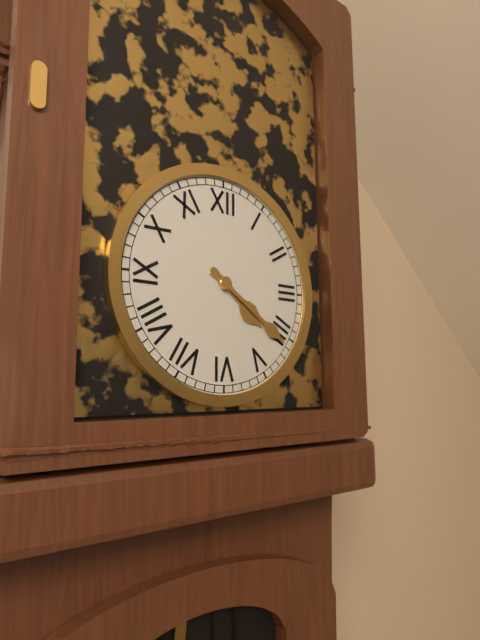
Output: 4h21
